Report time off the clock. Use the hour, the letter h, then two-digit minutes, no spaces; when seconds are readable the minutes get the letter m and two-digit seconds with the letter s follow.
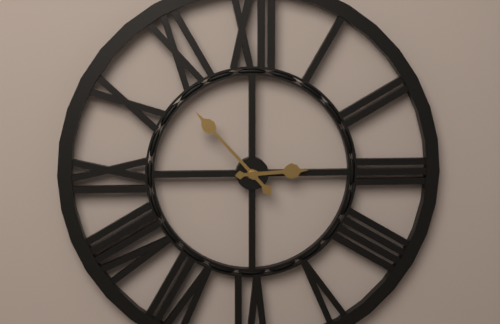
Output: 2h53
